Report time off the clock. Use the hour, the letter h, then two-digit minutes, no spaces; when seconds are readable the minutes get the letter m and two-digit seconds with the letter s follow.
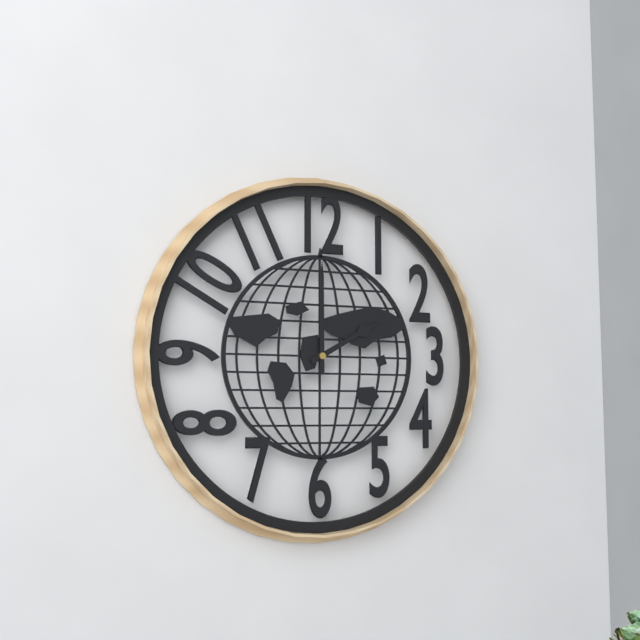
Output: 2h00
